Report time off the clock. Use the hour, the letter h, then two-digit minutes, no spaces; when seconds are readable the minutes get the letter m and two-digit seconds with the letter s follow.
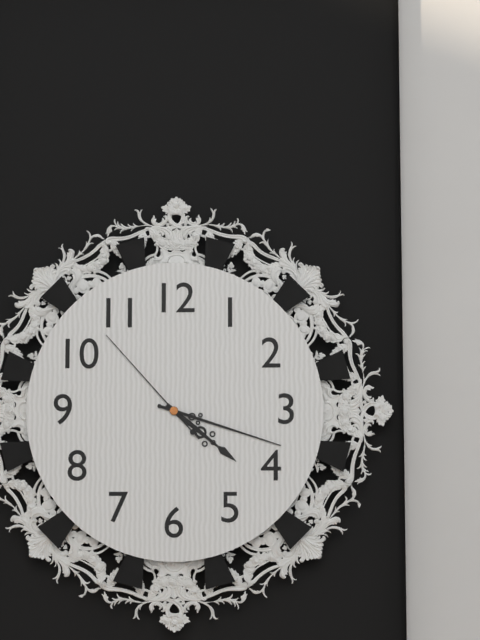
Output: 4h18m53s
